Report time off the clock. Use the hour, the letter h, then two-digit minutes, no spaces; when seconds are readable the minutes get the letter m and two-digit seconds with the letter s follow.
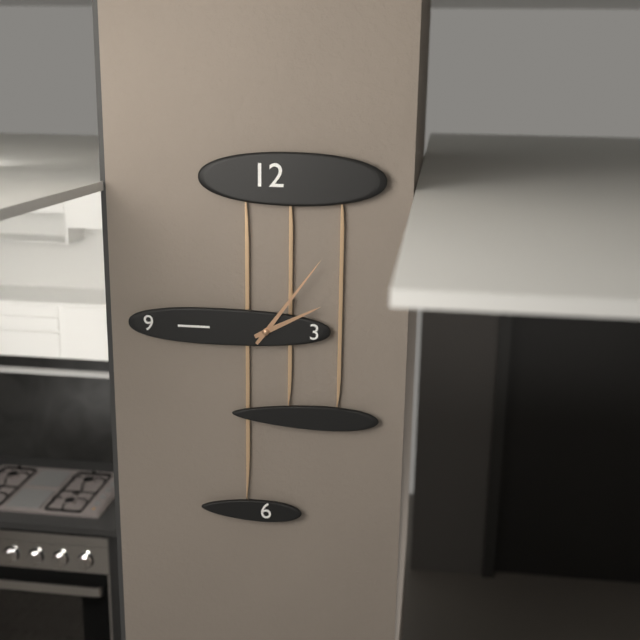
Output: 2h06
